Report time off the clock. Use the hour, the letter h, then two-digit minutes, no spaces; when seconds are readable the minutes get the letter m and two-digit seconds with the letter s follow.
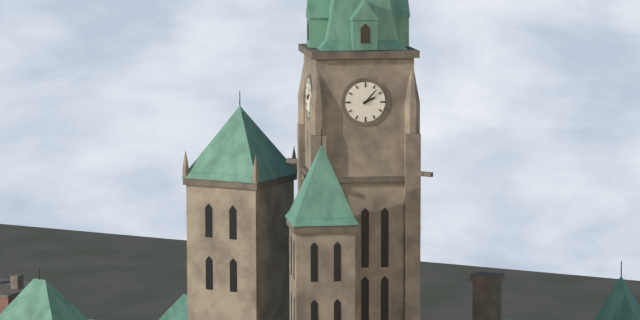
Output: 2h07
